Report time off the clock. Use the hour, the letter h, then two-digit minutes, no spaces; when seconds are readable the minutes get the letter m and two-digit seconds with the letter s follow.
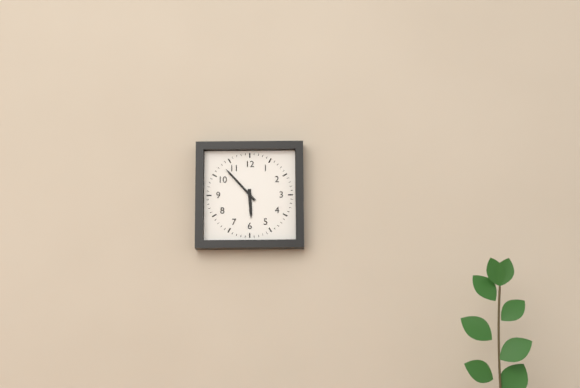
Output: 5h53
